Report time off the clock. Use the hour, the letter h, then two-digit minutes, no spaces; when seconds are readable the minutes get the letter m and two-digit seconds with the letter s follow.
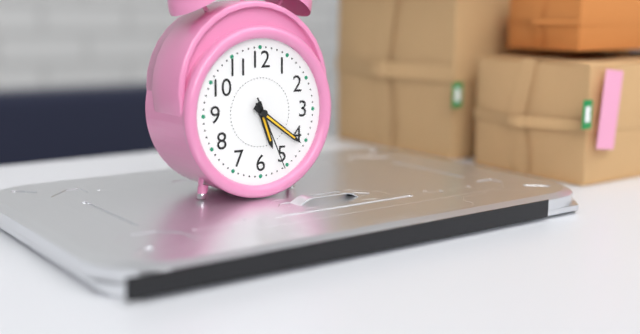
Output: 5h21m26s
